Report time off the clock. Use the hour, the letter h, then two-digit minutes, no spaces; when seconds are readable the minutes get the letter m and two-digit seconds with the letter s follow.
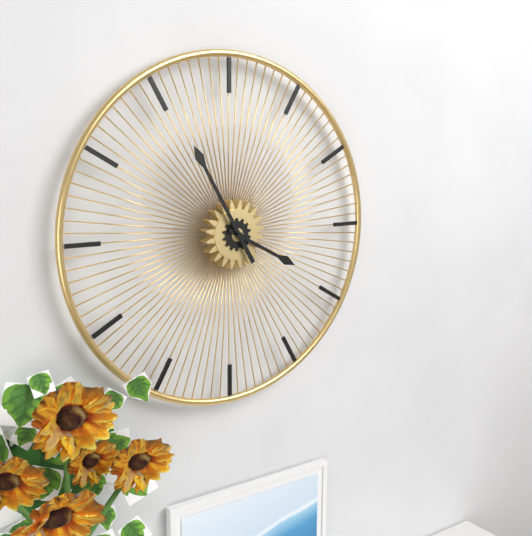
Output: 3h55
